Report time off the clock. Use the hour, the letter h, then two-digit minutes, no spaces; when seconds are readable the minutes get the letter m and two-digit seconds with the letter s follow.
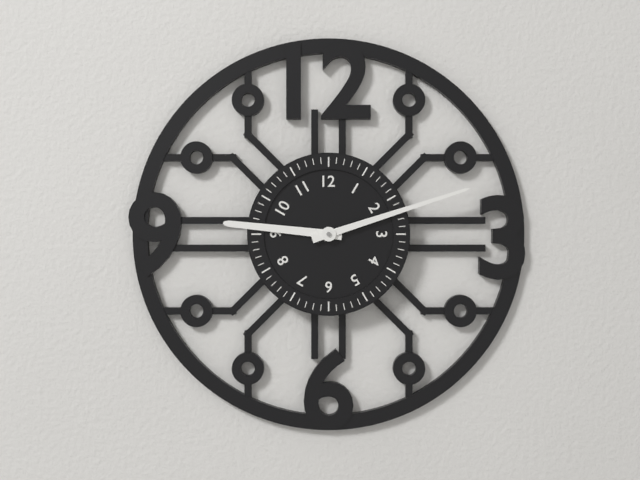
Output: 9h12
